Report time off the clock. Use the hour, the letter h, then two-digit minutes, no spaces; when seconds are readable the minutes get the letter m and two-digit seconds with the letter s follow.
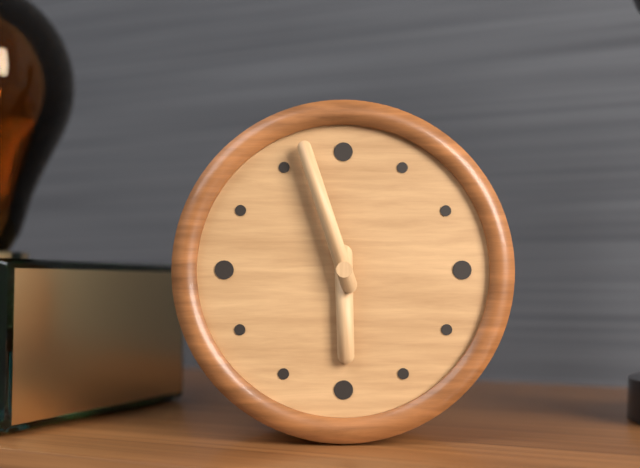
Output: 5h57
